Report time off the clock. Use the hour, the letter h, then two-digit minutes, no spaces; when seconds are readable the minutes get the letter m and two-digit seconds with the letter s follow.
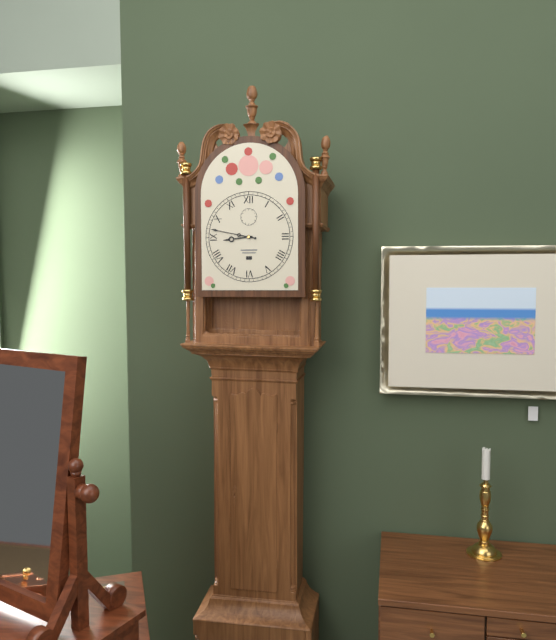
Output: 8h47
